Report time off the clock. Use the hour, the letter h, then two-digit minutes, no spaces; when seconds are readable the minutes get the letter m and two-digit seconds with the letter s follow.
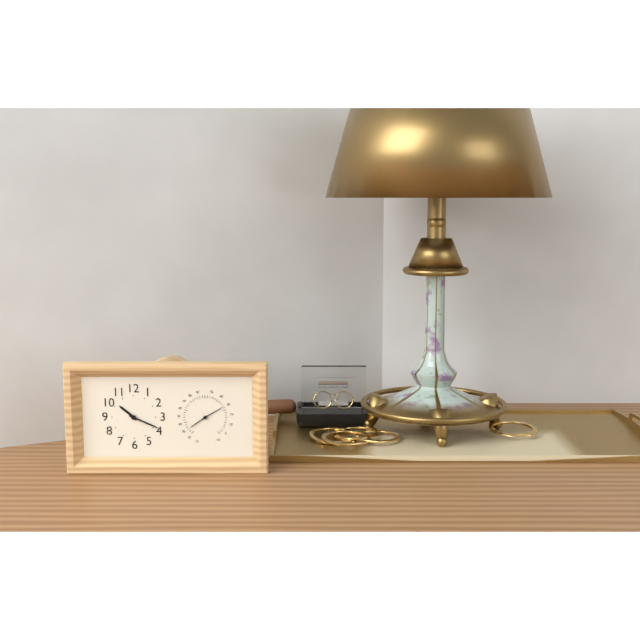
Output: 10h19
